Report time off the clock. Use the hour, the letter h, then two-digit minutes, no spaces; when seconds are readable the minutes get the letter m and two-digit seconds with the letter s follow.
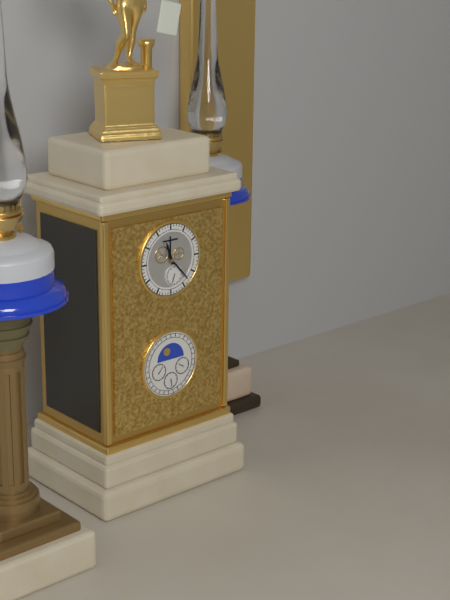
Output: 11h23
